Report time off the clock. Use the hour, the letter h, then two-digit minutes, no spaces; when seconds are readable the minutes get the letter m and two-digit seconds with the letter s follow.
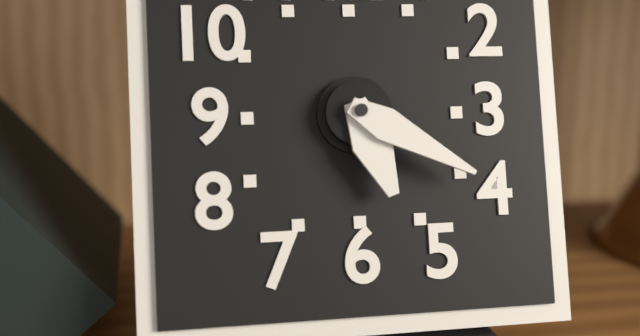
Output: 5h20
